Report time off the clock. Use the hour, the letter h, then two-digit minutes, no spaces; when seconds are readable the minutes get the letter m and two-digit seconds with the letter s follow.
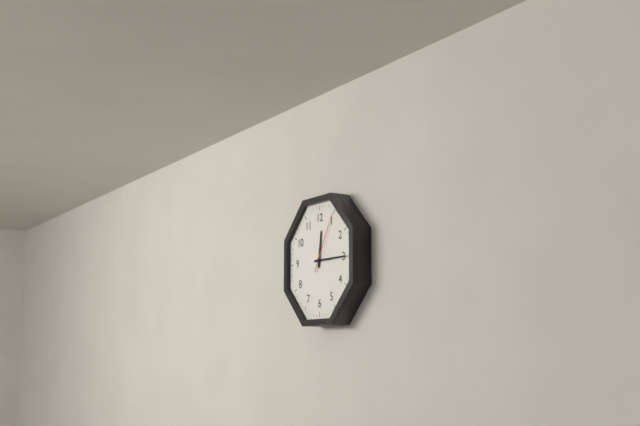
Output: 12h15m05s
